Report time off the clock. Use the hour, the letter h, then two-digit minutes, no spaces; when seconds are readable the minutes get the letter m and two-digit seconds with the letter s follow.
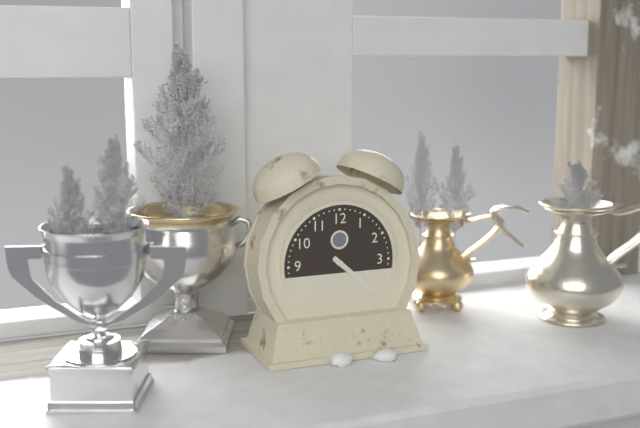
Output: 4h22
